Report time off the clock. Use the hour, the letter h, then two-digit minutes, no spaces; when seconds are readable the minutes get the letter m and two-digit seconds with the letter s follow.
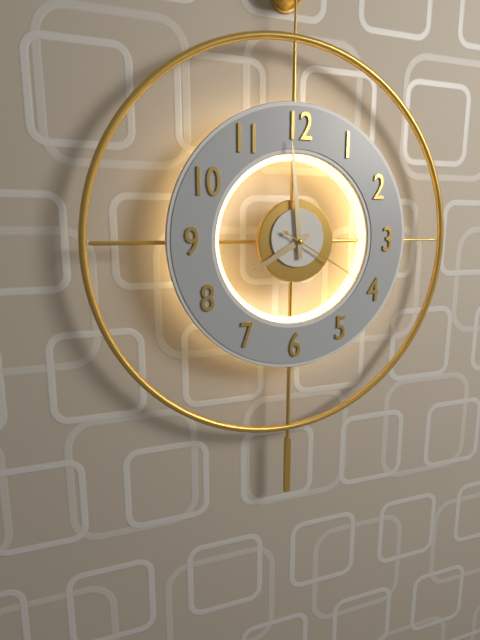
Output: 7h59m20s
